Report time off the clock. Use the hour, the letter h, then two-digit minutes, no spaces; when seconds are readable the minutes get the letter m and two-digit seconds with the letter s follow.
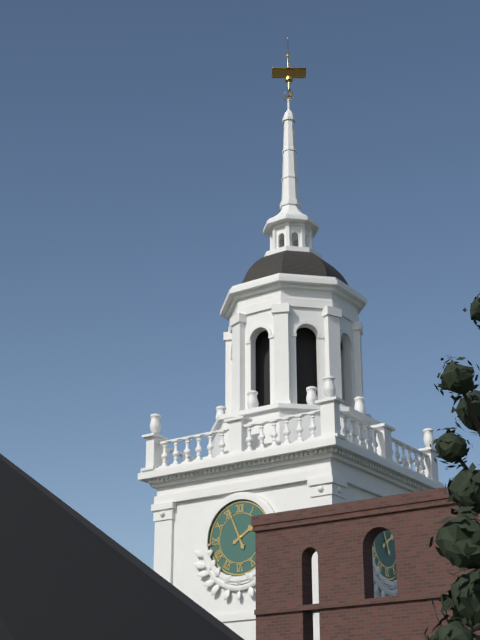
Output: 1h56
